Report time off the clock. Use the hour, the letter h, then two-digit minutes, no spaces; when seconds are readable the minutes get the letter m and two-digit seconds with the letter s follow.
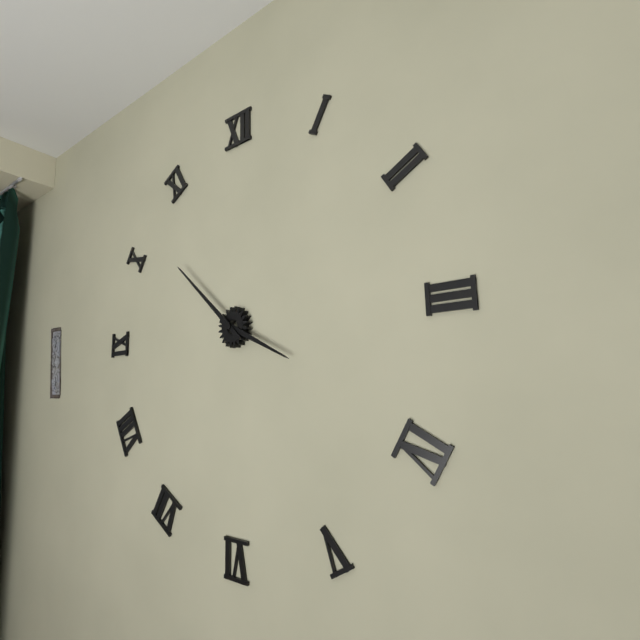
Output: 3h52
